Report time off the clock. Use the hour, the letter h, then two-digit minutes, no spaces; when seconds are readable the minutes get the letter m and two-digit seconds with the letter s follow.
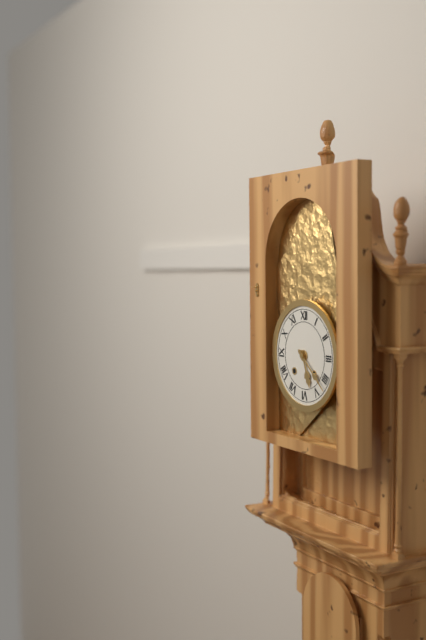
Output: 5h22
